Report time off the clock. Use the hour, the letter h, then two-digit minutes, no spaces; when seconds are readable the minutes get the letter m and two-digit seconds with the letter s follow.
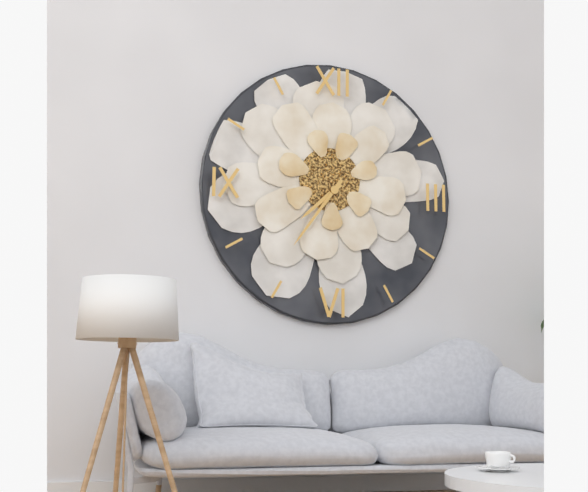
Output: 7h36
